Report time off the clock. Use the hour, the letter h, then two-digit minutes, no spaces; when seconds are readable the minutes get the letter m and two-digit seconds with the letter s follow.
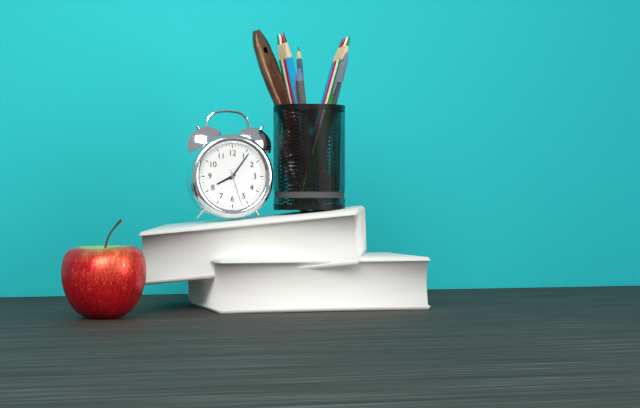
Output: 8h06
